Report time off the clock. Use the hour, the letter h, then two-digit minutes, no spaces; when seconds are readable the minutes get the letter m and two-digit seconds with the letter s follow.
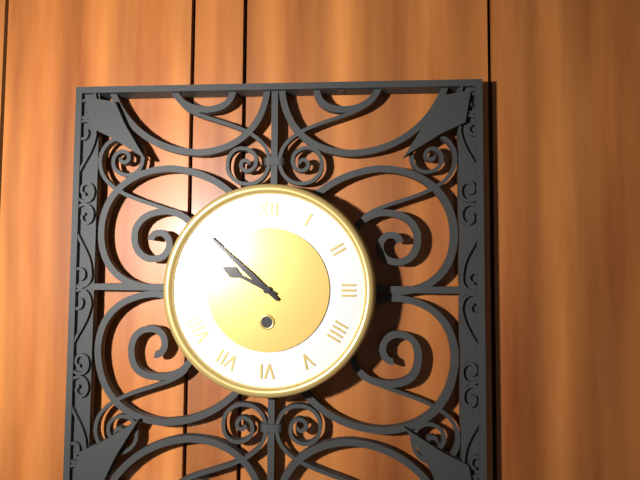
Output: 9h52
